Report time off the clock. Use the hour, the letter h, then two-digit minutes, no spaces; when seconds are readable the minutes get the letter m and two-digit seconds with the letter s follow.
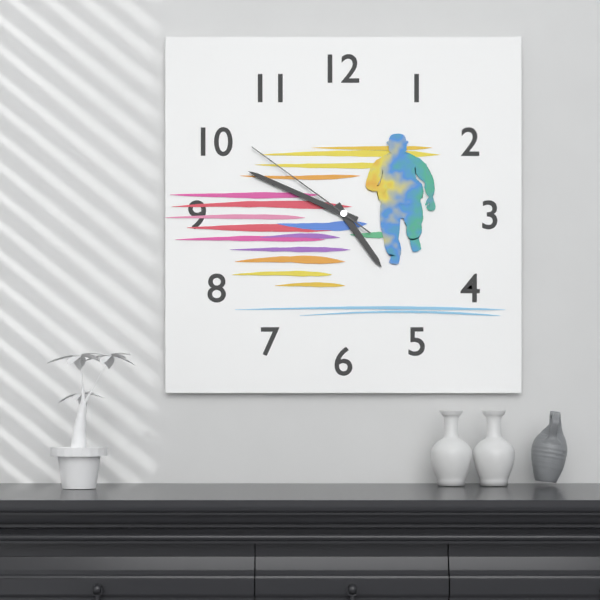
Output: 4h49m51s
